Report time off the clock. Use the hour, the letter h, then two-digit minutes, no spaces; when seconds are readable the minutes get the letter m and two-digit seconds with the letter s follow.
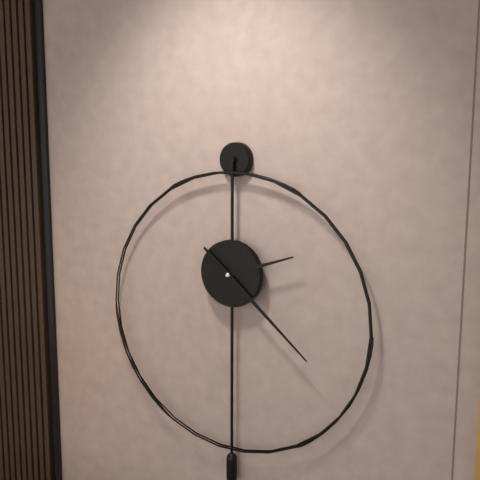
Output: 2h22
